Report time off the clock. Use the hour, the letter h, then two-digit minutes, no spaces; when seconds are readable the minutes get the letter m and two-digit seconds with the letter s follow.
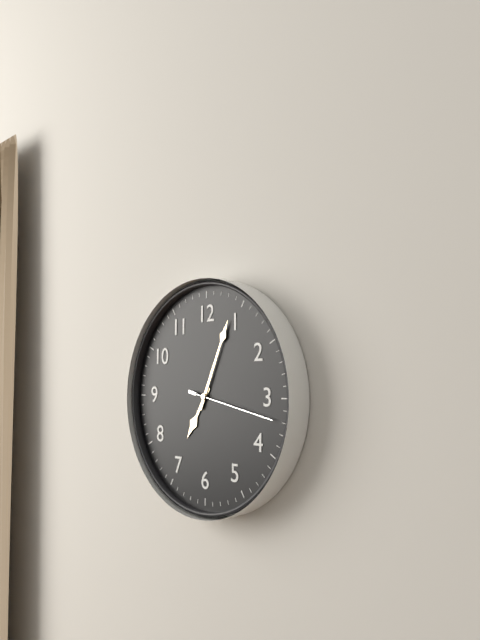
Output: 7h04m17s
